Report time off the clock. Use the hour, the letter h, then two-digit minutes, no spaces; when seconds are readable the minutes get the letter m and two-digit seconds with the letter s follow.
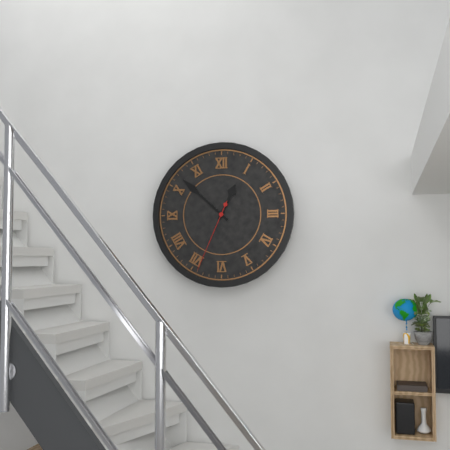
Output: 12h52m34s
